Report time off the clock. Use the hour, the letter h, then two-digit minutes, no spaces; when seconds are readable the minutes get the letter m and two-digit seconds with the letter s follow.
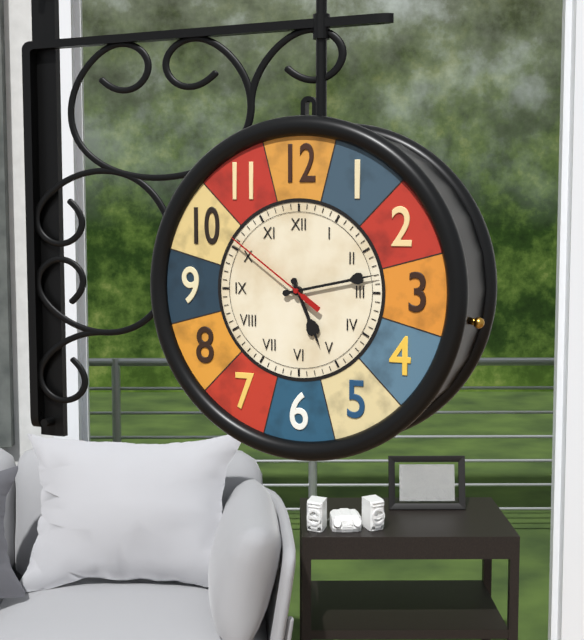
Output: 5h13m51s
